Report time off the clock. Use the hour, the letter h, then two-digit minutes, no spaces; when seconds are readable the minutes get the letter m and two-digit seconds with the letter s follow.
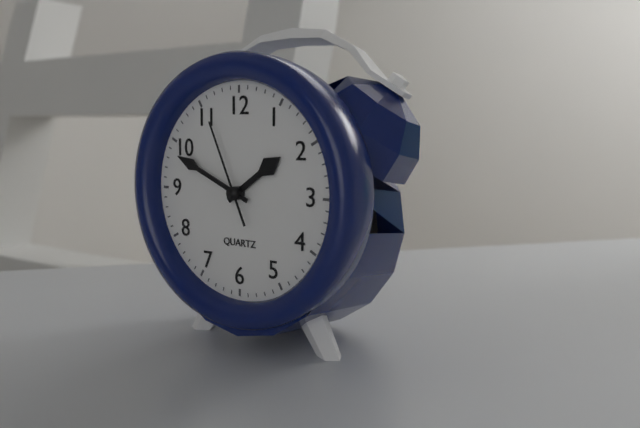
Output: 1h49m56s
